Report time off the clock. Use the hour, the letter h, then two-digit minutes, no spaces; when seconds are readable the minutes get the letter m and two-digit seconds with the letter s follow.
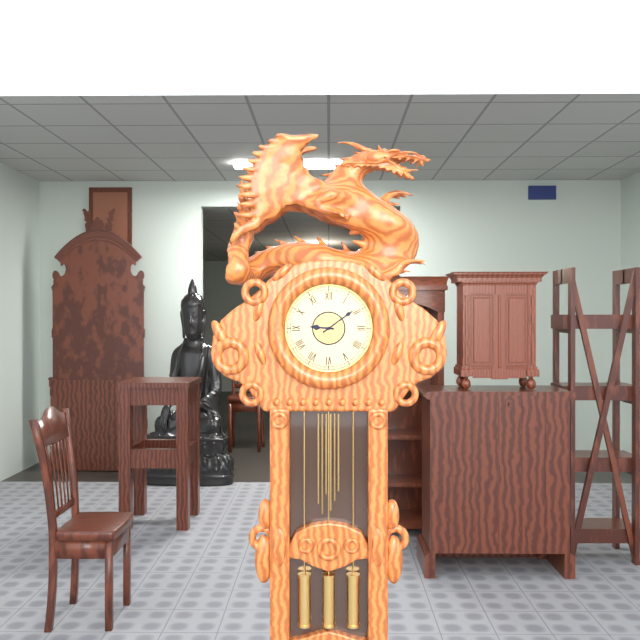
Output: 9h09
